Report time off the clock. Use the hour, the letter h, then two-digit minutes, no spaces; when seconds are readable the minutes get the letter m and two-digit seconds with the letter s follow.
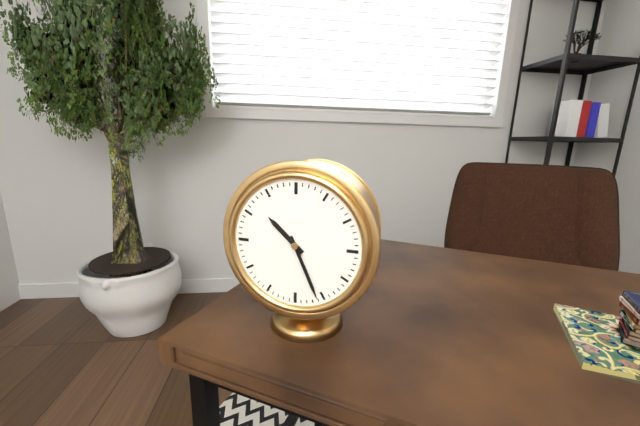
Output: 10h26
